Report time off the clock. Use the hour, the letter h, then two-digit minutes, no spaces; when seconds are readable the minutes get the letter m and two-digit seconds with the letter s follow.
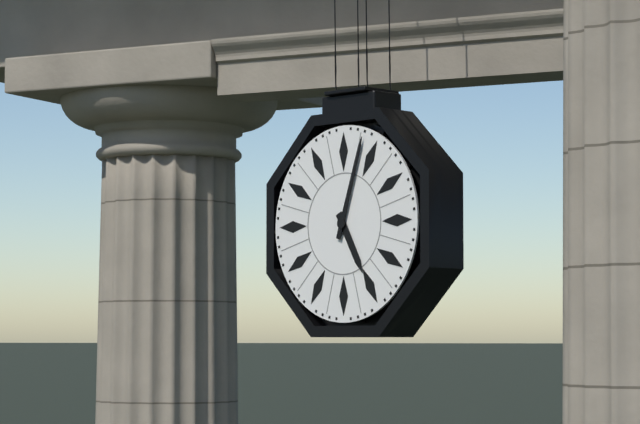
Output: 5h03
